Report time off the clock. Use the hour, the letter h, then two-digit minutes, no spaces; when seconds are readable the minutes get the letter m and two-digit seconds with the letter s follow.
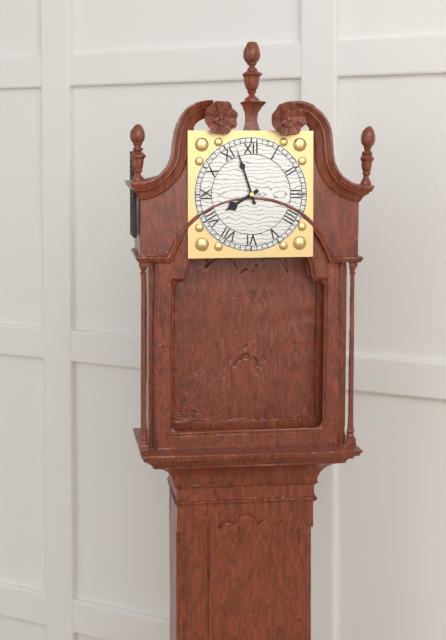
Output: 7h57
